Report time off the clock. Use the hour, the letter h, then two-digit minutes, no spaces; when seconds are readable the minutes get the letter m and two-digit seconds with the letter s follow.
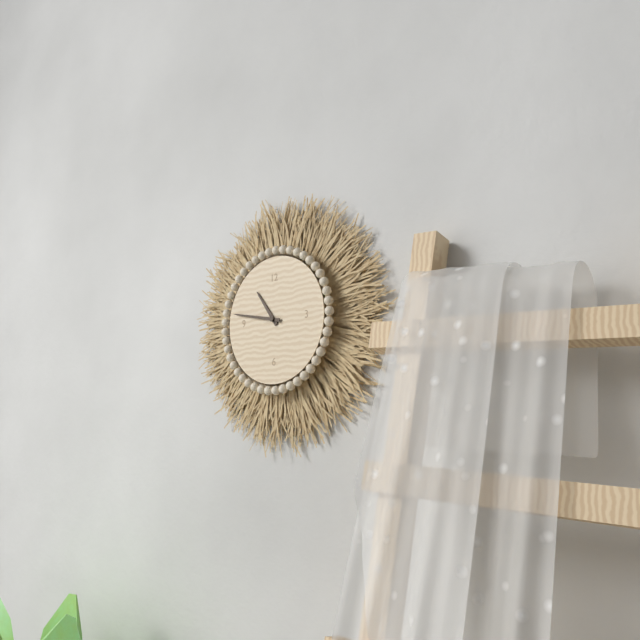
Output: 10h47
